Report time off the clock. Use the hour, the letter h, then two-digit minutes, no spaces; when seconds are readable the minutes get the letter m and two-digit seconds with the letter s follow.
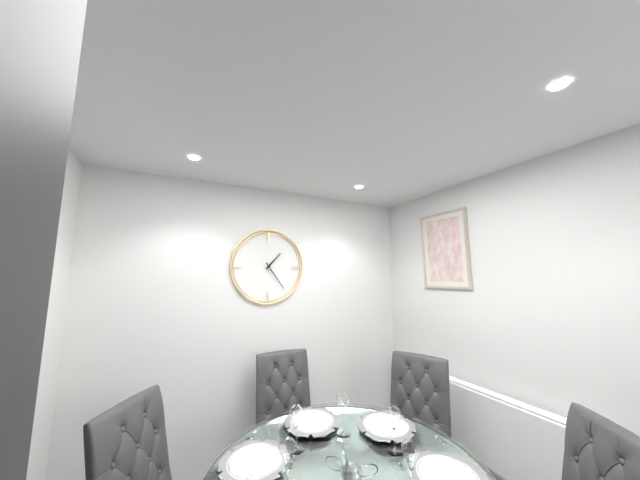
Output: 1h24
